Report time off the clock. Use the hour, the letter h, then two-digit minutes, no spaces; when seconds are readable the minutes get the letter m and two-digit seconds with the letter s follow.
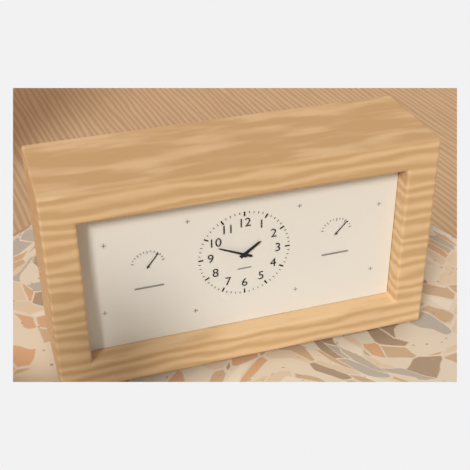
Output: 1h49
